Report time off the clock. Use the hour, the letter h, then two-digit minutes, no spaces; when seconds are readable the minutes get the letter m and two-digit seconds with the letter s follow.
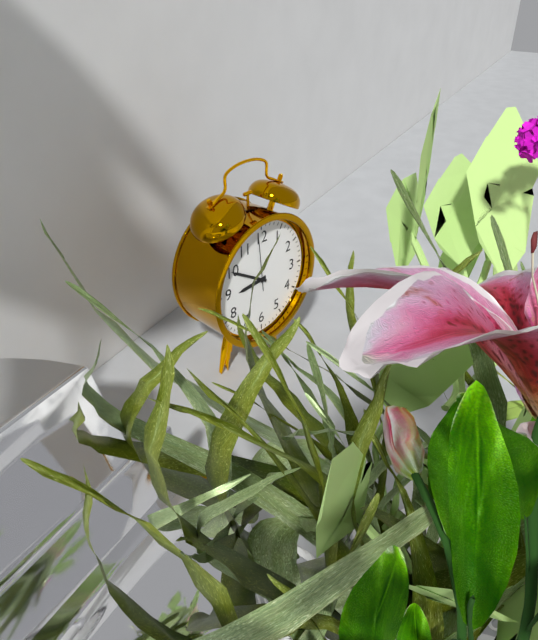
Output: 8h50m59s
